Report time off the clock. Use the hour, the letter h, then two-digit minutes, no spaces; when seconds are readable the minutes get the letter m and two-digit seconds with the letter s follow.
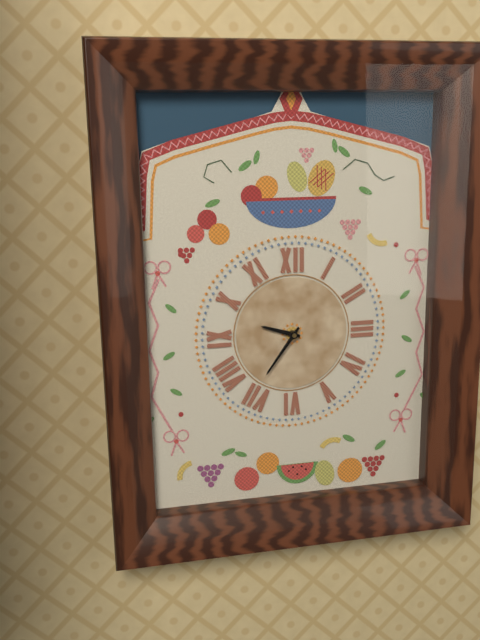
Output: 9h36
